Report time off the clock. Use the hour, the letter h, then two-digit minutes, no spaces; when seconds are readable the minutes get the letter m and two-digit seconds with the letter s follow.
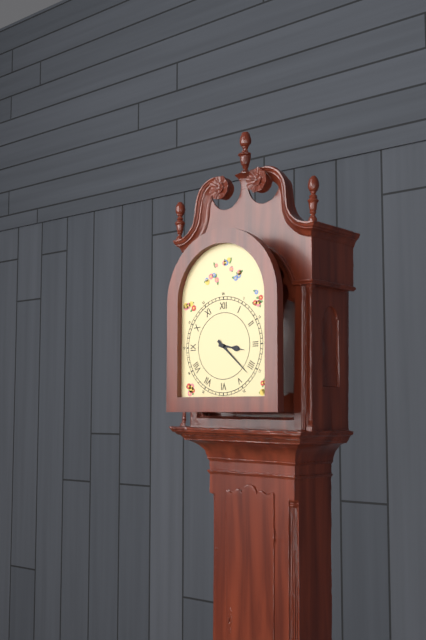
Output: 3h22
